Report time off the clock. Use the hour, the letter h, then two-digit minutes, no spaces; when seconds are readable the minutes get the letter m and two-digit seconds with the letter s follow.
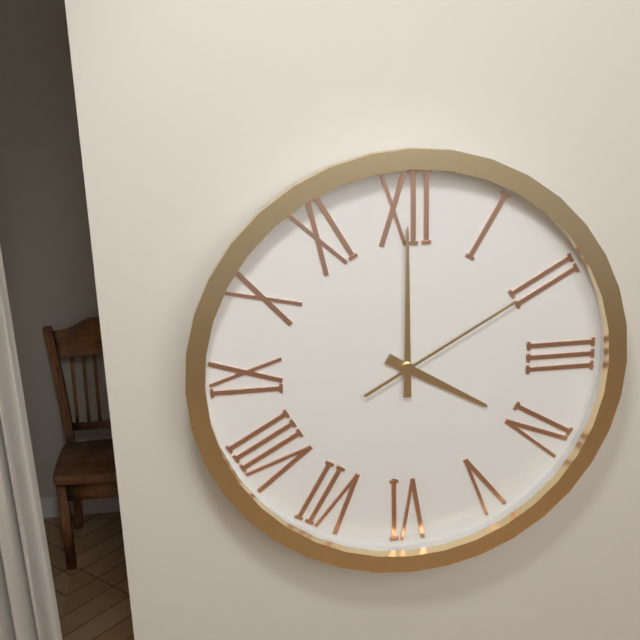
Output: 4h00m10s
